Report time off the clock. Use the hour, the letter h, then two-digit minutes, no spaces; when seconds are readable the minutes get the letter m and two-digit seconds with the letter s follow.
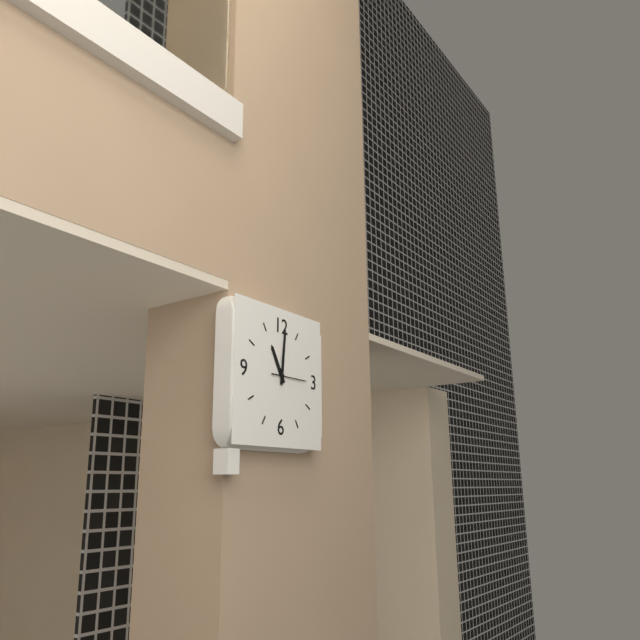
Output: 11h01
